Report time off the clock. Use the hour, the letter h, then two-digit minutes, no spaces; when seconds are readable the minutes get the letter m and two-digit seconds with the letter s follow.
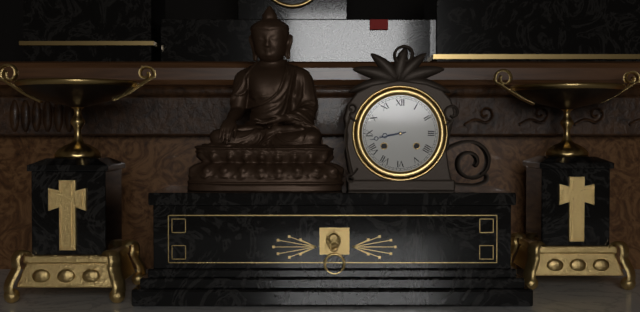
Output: 8h43
